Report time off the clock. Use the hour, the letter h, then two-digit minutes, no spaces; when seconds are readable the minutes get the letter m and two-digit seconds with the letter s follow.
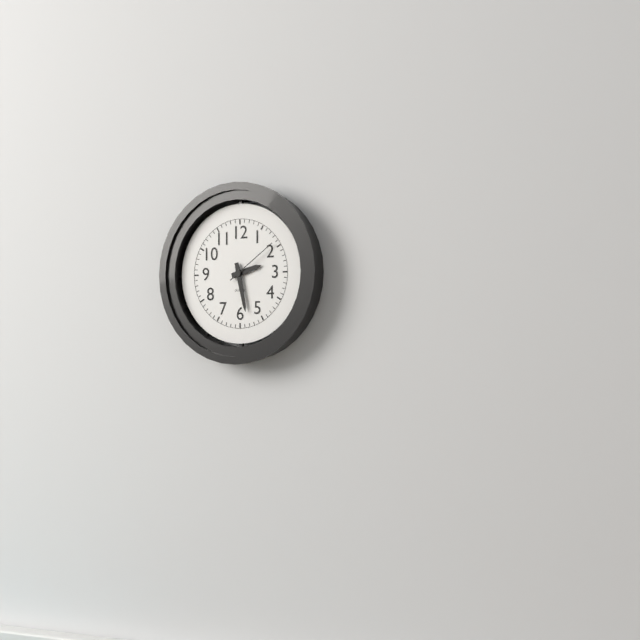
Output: 2h28m09s
